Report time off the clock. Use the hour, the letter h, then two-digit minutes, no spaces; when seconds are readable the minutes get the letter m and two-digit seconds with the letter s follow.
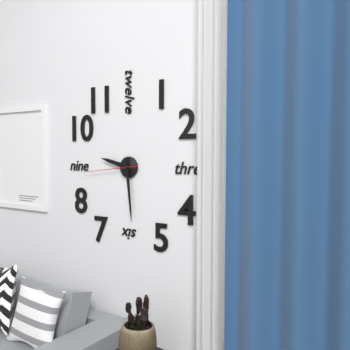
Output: 9h29m44s
